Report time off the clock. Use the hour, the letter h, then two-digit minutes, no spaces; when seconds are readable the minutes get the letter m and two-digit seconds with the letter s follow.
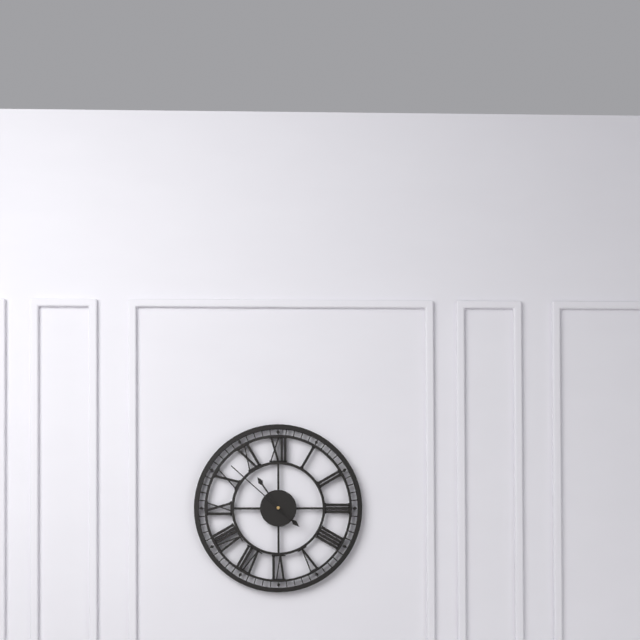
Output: 10h52
